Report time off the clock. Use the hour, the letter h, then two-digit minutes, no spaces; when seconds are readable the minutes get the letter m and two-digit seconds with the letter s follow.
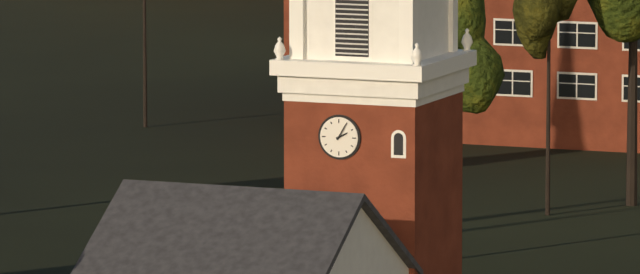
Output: 2h05
